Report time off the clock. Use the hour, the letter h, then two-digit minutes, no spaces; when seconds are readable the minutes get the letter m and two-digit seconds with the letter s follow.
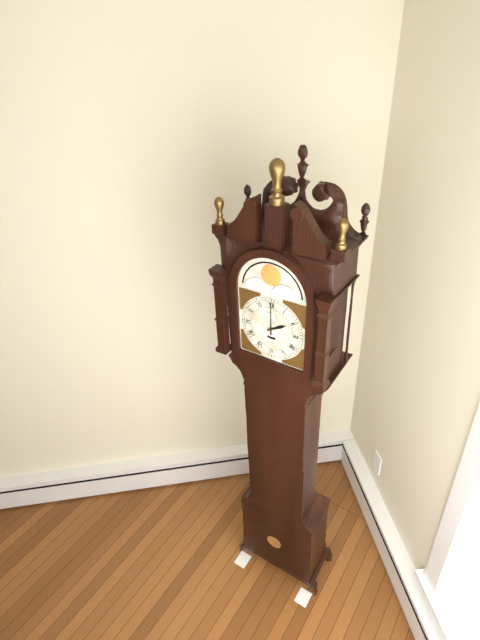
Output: 2h00
